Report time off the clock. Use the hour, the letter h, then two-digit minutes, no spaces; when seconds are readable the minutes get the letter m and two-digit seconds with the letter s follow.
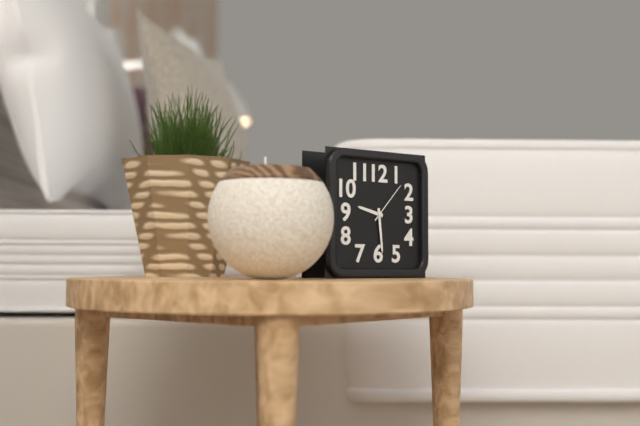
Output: 9h29
